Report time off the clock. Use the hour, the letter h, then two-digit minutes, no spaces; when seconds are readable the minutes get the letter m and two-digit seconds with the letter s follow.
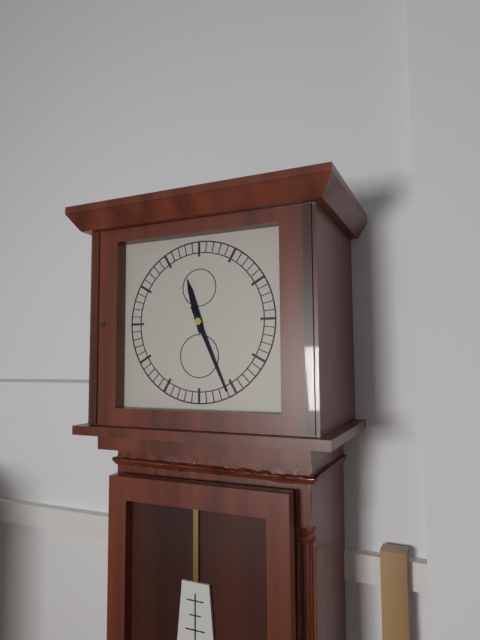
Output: 11h26
